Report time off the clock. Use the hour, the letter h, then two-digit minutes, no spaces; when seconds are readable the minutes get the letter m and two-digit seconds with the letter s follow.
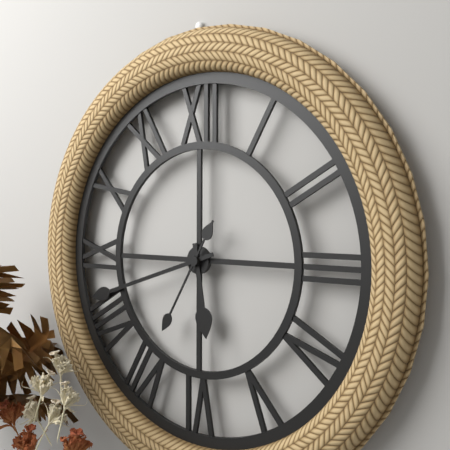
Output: 5h42m35s
